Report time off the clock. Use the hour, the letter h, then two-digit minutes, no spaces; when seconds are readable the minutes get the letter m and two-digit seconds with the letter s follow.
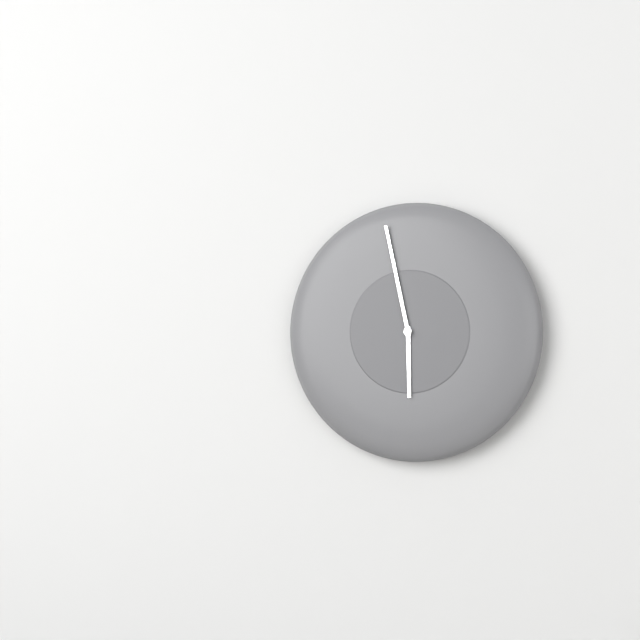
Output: 5h58
